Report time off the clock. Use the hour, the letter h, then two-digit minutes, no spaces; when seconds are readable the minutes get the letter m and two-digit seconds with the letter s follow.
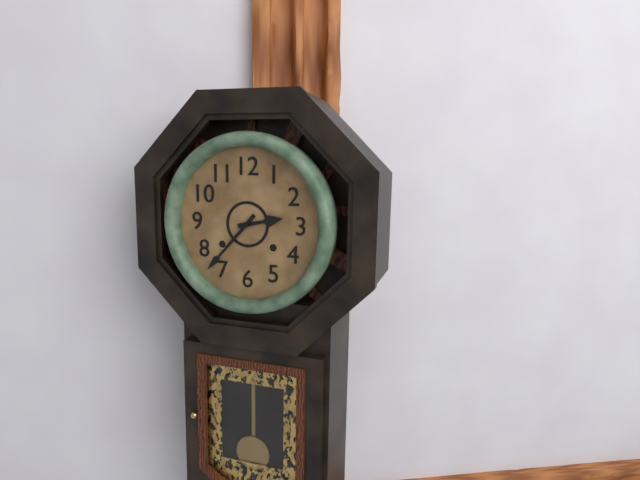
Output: 2h37
